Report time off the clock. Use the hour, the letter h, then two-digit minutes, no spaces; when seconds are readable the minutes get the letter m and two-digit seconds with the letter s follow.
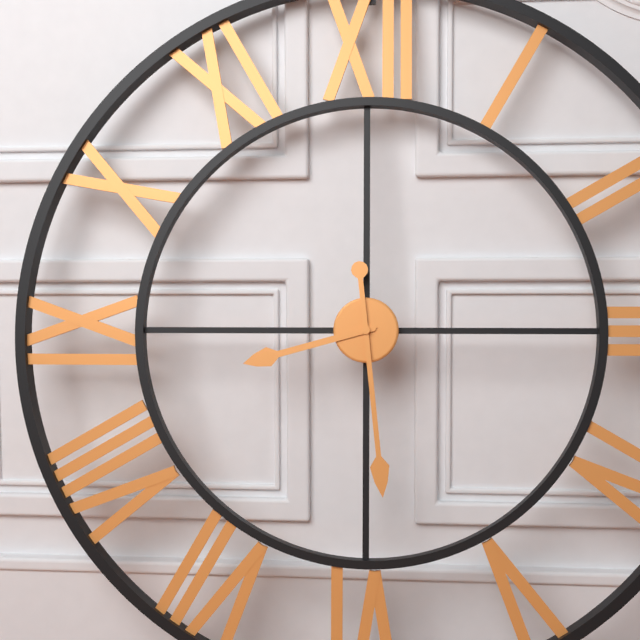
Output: 8h29
